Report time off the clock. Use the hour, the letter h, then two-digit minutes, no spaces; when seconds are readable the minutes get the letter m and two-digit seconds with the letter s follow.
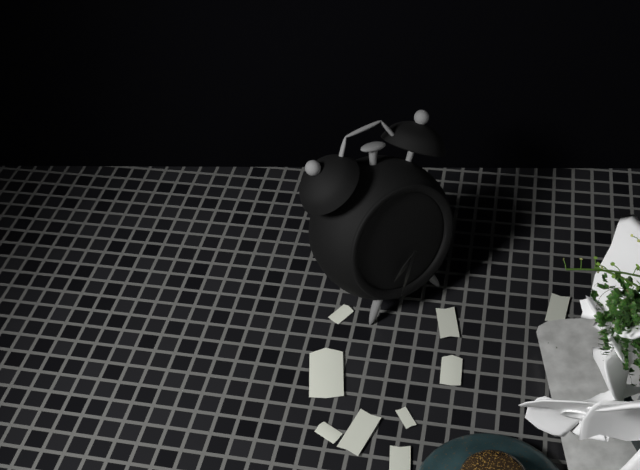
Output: 7h33
